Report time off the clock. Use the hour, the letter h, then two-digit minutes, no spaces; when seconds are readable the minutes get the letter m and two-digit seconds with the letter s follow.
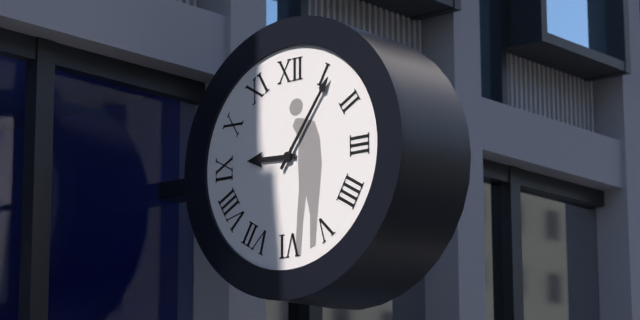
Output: 9h06
